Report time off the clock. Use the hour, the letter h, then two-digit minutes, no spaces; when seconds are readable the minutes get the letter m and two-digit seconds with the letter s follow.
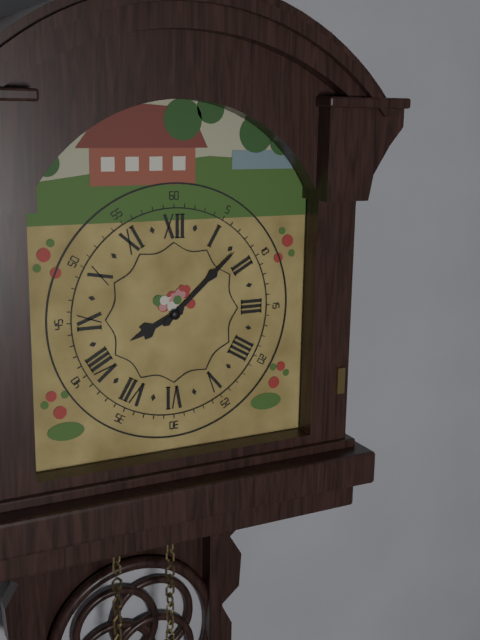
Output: 8h08
